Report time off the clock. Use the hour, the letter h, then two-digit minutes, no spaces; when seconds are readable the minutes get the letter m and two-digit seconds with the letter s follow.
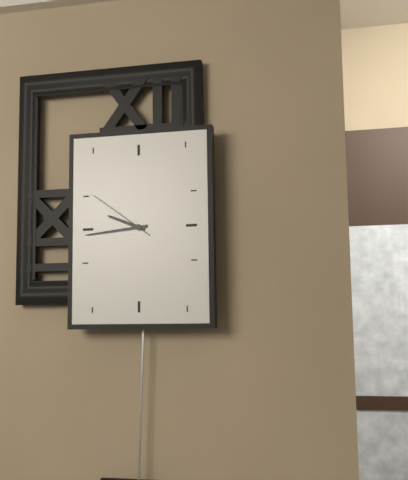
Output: 9h44m51s
